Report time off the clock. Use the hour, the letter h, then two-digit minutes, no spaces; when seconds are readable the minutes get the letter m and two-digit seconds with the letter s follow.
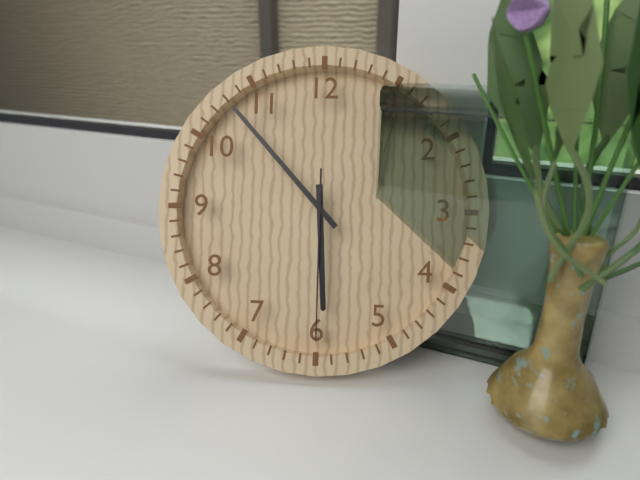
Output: 5h53m30s
